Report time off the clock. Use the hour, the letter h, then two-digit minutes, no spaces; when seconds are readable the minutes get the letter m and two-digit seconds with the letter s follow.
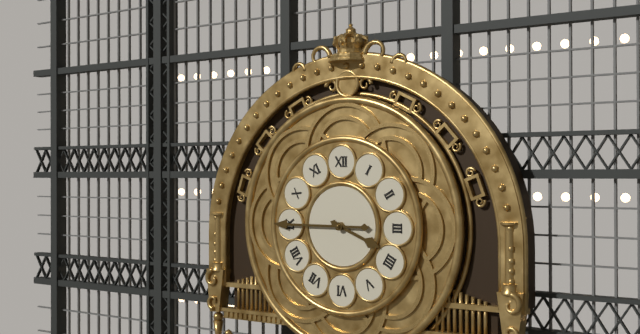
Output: 3h45
